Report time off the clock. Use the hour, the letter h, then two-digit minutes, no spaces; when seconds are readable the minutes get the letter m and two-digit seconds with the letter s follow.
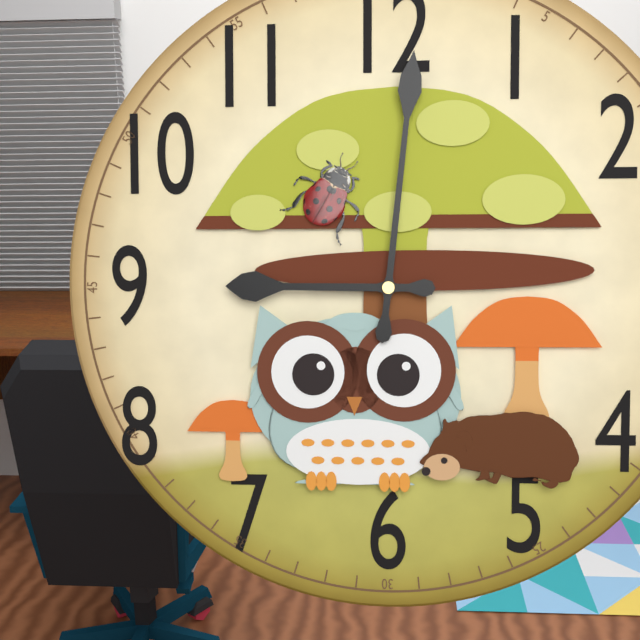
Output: 9h01
